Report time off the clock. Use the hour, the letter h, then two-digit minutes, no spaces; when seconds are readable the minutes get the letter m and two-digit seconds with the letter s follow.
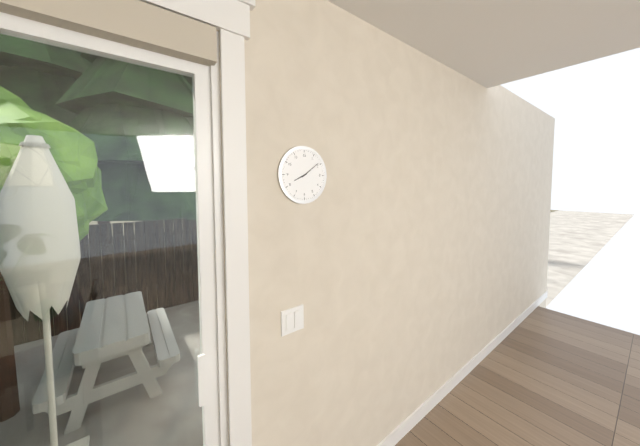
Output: 8h09
